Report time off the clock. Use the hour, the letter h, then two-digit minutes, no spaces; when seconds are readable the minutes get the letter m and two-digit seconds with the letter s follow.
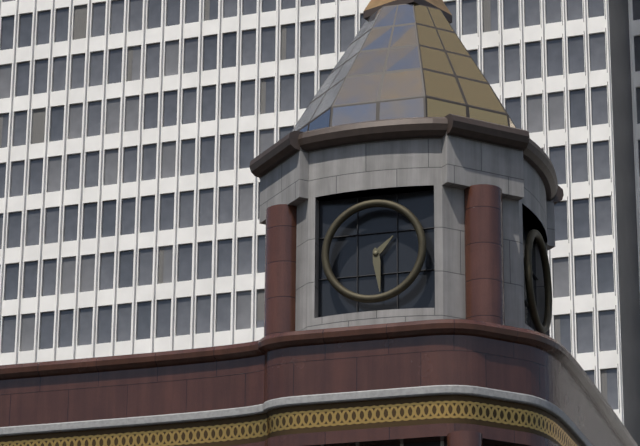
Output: 1h29
